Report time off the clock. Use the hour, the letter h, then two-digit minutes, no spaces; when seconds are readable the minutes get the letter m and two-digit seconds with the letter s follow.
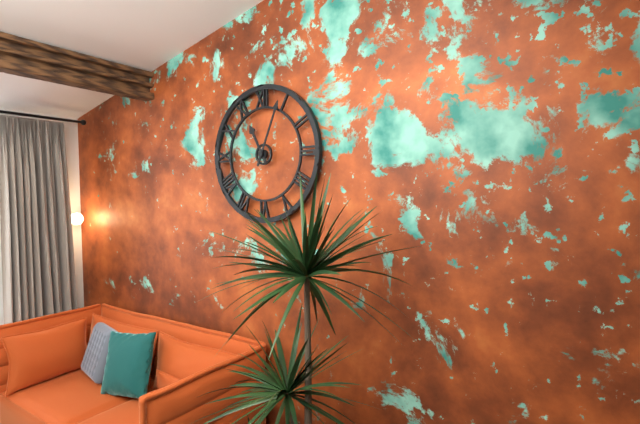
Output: 11h04
